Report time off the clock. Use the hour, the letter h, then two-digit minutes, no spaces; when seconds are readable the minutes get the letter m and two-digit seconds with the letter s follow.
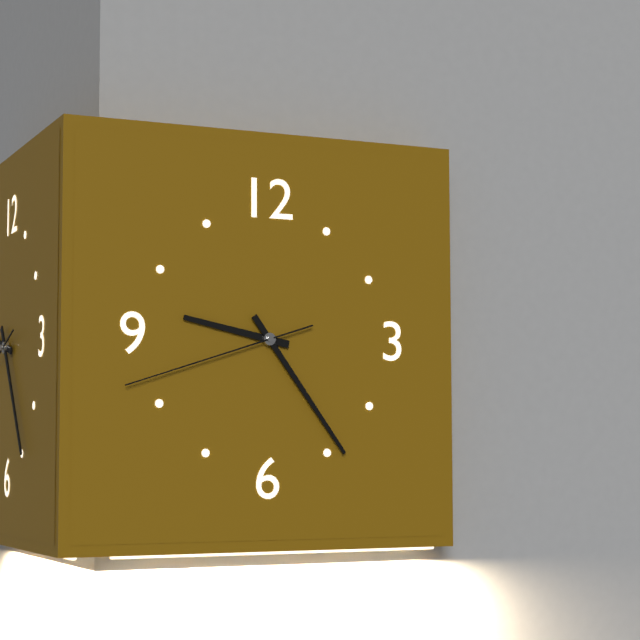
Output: 9h24m42s
